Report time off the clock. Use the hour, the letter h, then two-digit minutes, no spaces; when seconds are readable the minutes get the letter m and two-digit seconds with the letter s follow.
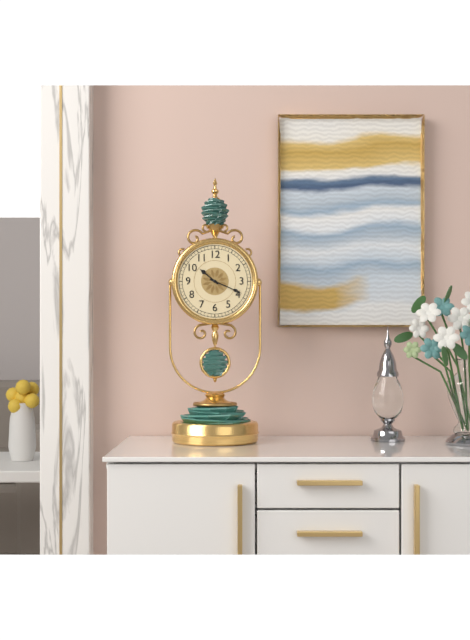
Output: 10h19
